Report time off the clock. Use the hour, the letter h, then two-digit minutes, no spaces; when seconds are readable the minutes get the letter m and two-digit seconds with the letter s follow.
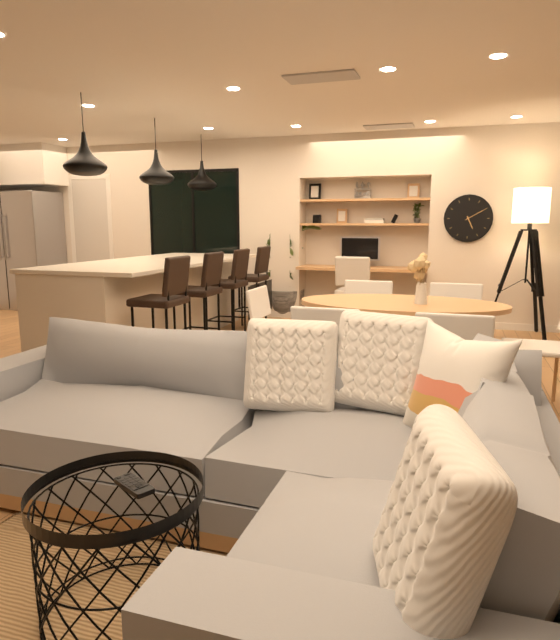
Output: 5h10
